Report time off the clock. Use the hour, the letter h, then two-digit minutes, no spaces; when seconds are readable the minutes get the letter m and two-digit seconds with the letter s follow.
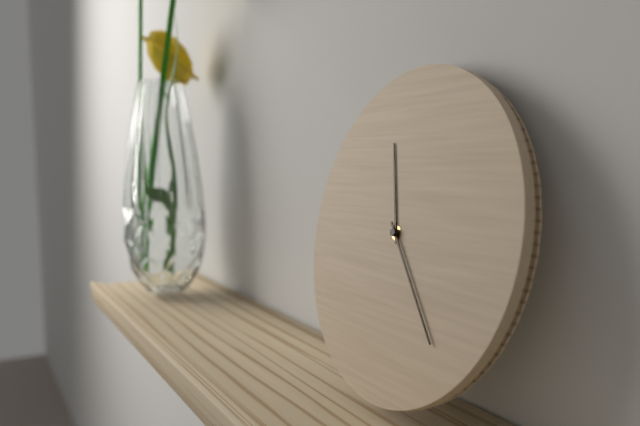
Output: 11h23
